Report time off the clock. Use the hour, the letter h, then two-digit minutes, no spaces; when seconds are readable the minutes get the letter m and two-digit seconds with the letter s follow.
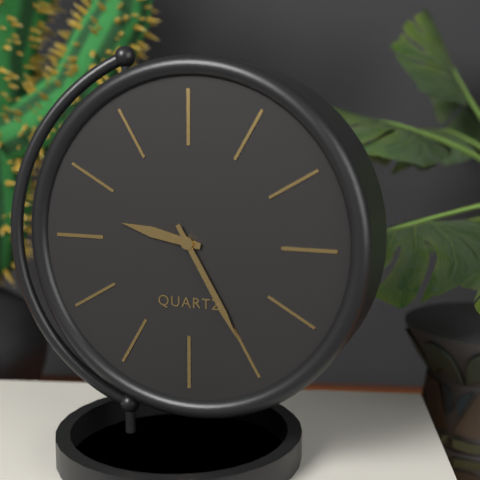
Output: 9h25
